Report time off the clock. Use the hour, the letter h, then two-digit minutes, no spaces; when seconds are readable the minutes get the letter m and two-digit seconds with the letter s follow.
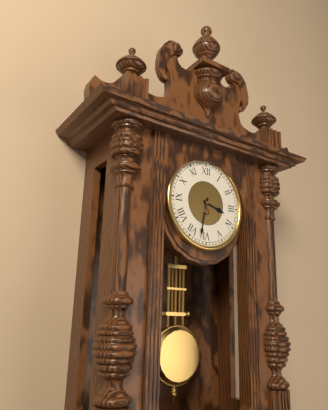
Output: 3h32
